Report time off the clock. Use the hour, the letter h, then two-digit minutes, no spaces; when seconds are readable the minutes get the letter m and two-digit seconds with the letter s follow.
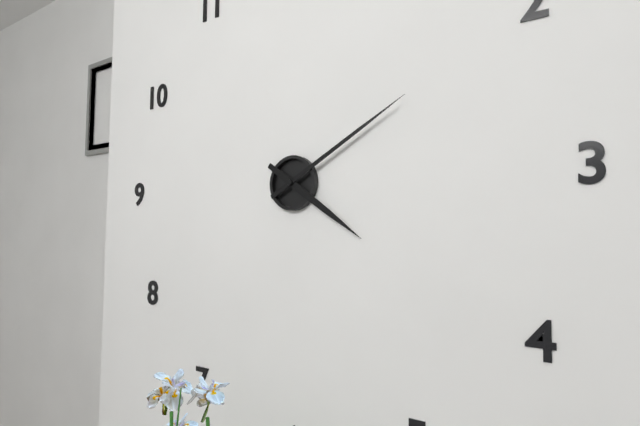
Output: 4h10
